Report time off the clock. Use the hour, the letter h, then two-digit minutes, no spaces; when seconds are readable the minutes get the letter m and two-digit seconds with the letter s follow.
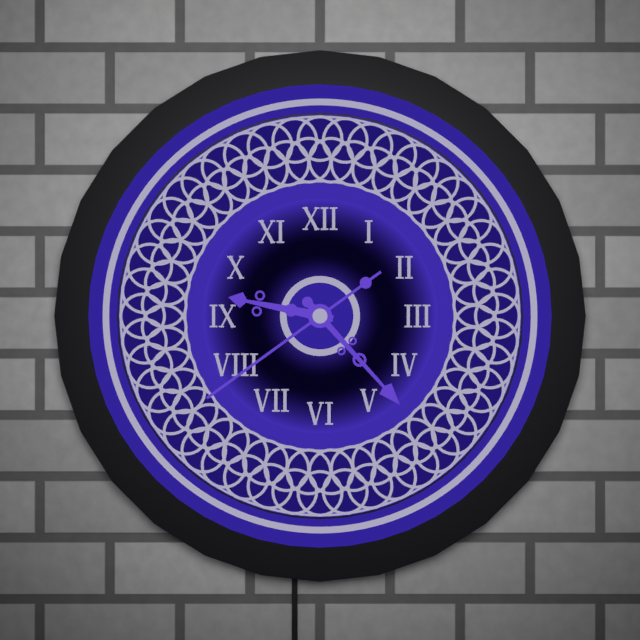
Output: 9h23m39s
